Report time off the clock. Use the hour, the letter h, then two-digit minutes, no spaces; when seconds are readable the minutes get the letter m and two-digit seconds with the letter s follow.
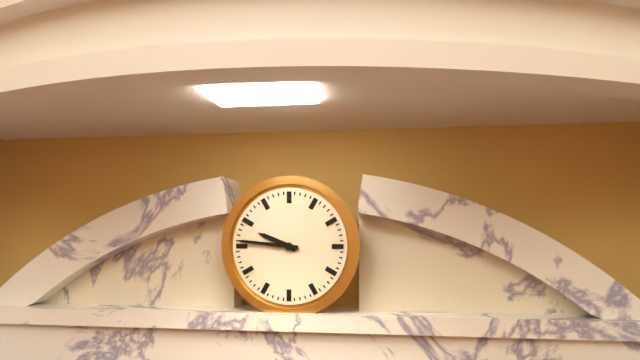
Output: 9h46
